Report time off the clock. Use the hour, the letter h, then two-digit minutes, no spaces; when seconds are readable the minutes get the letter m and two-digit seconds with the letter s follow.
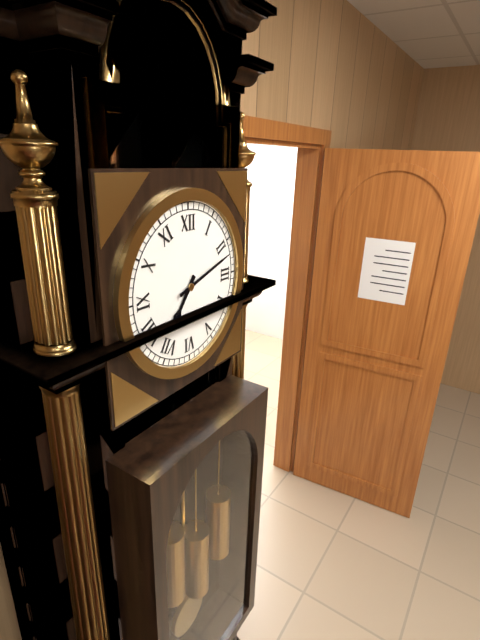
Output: 7h12
